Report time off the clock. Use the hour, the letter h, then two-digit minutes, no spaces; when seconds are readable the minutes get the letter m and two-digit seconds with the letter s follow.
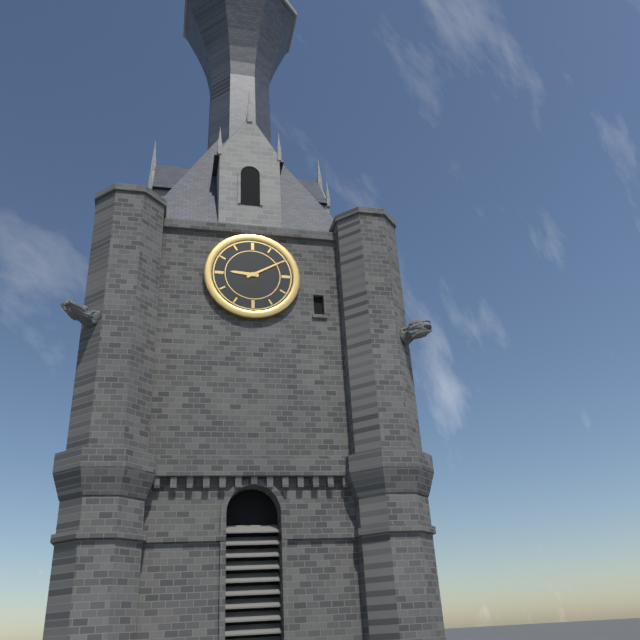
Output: 9h10
